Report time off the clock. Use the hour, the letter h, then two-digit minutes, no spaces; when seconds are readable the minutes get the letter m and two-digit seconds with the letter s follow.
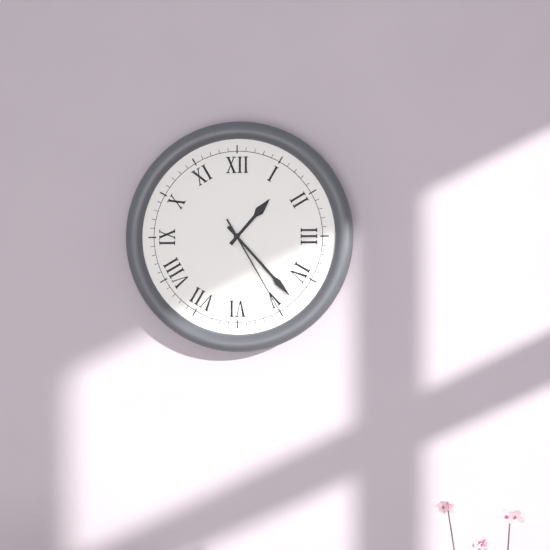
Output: 1h23m25s
